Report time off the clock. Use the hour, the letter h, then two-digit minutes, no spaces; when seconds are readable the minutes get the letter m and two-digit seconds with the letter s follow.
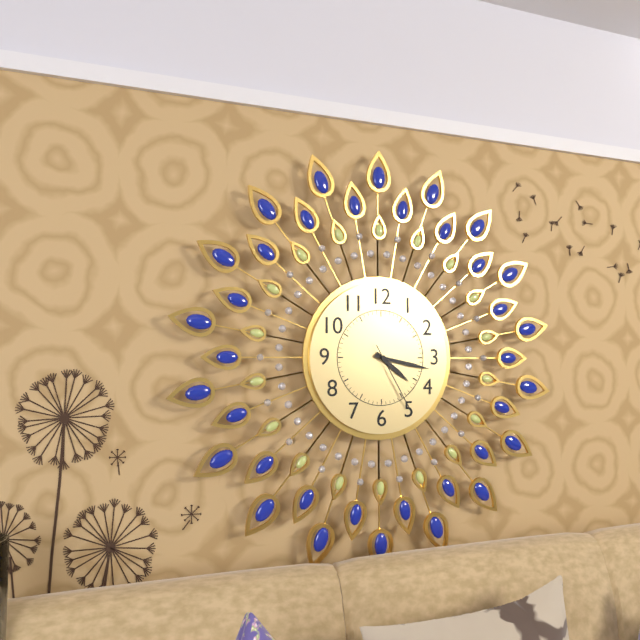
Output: 4h17m25s
